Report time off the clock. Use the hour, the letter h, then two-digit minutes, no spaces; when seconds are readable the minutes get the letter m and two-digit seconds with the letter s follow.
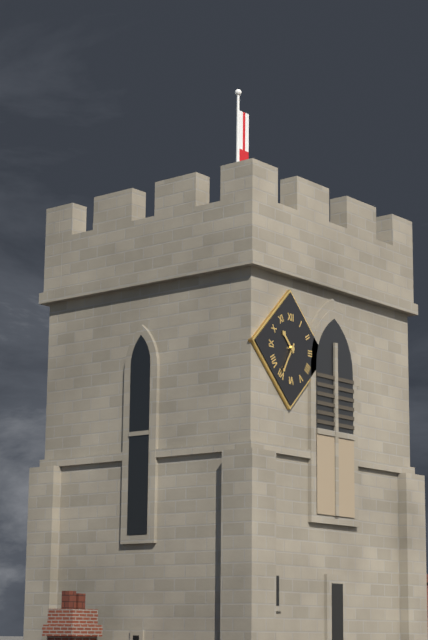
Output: 10h35
